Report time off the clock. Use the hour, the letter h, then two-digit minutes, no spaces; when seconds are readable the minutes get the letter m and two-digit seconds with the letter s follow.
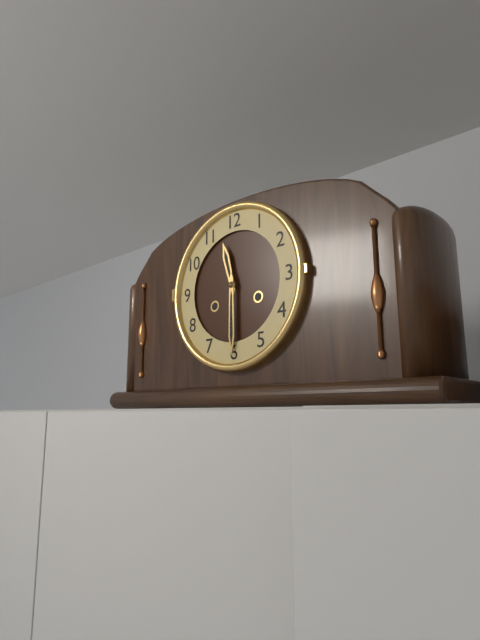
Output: 11h30
